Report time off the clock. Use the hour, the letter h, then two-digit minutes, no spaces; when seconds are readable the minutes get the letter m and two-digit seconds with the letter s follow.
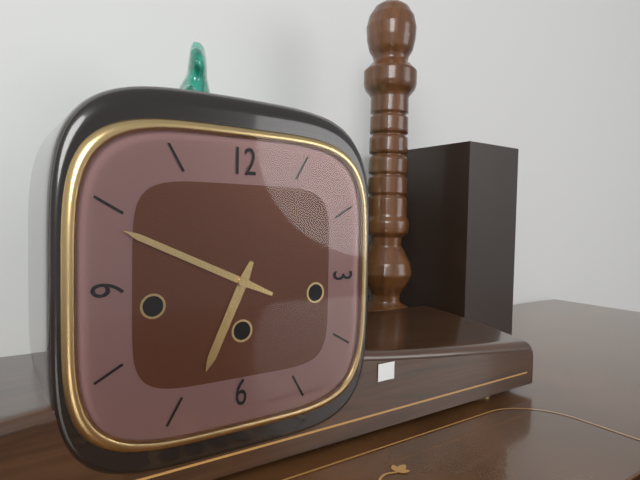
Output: 6h49
